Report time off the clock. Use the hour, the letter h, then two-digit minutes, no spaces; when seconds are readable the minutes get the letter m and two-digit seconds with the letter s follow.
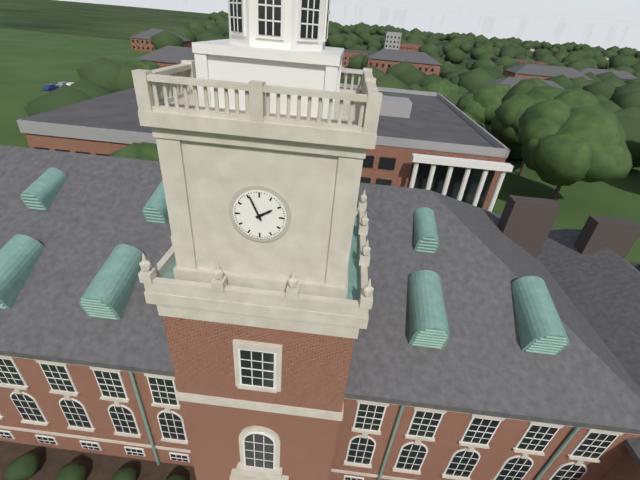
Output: 1h56
